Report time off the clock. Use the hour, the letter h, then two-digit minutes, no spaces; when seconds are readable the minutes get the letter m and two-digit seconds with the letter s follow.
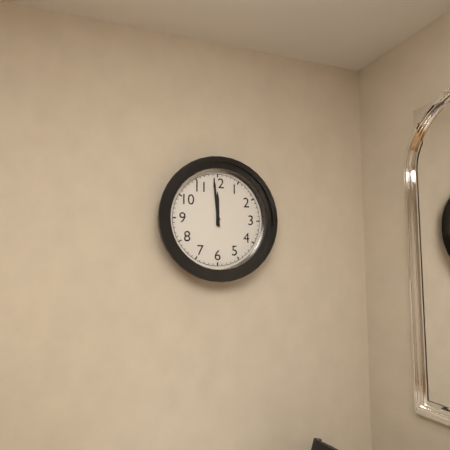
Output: 11h59
